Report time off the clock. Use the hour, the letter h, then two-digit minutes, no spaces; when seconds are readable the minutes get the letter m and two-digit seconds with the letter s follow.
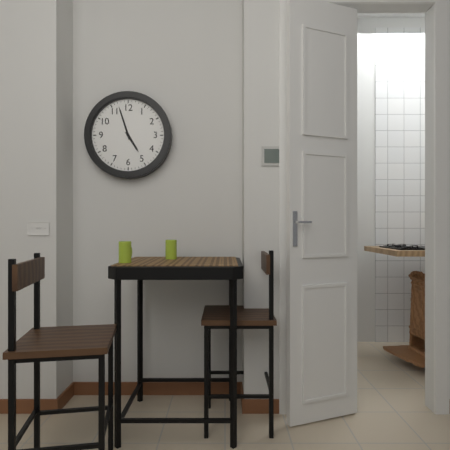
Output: 4h57
